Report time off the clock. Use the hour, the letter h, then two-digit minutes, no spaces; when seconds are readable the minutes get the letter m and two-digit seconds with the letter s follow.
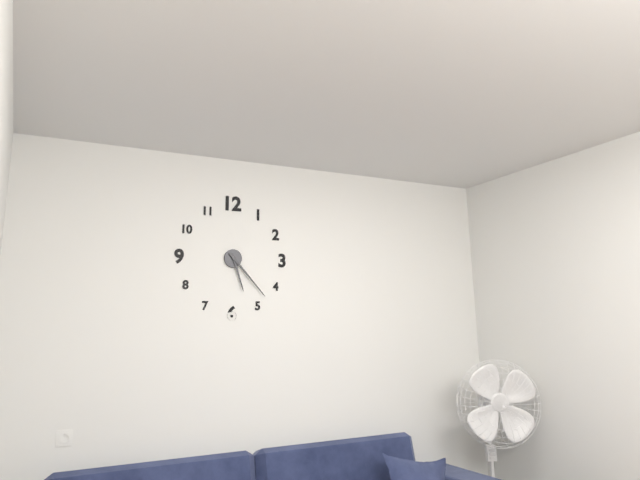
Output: 5h23
